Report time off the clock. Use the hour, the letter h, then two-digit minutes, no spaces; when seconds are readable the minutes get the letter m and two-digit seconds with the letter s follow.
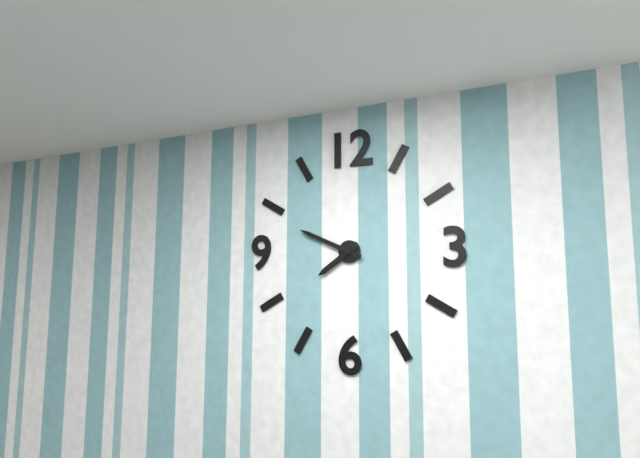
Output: 7h49
